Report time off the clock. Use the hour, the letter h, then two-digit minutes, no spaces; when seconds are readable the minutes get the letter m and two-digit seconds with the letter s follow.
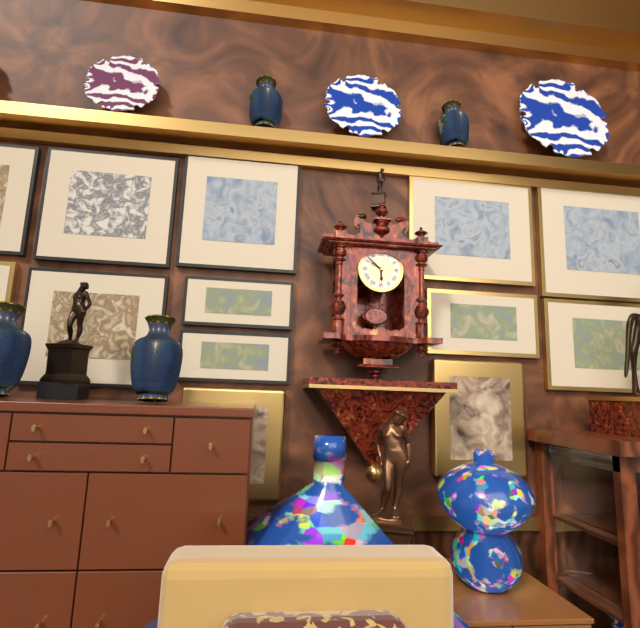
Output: 5h52
